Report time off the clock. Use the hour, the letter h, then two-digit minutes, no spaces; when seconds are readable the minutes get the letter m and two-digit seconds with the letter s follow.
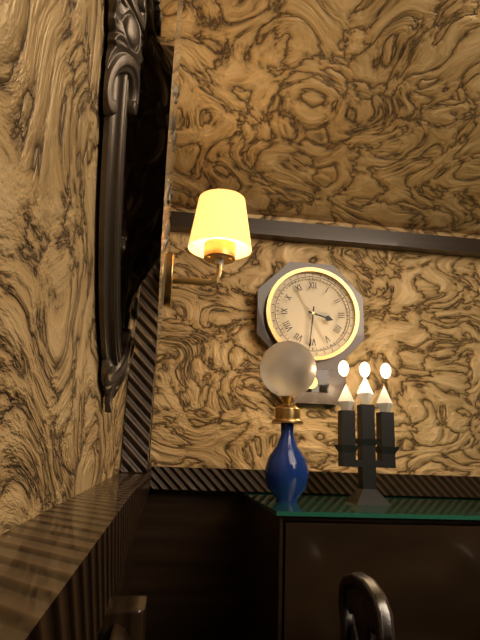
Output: 3h31
